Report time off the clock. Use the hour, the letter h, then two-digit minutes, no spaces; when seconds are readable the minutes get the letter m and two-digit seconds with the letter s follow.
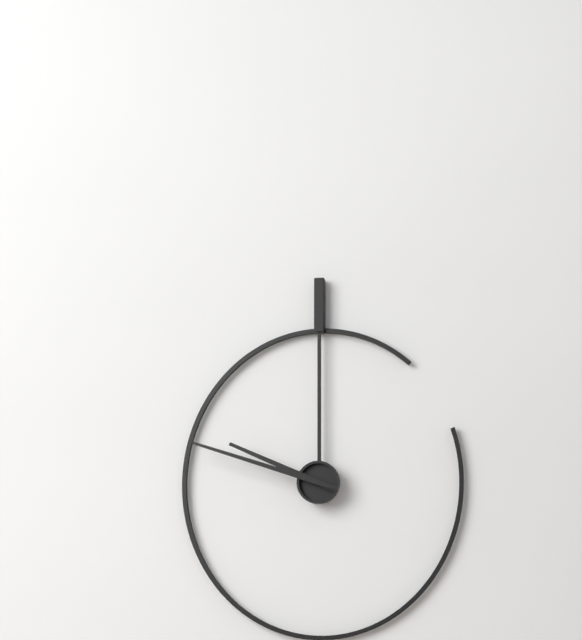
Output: 9h48
